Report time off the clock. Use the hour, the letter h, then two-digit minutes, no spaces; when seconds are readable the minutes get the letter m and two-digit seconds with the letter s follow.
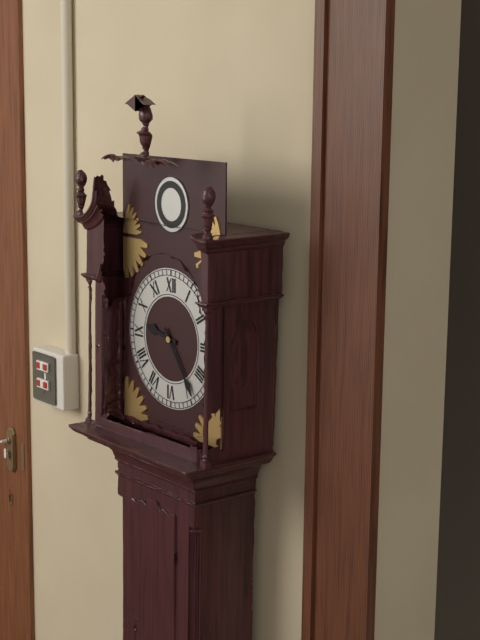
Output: 9h24
